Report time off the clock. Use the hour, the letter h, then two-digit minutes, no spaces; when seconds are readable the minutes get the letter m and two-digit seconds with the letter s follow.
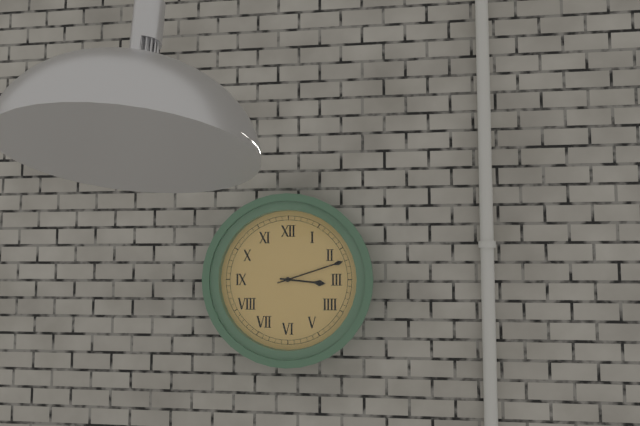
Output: 3h12
